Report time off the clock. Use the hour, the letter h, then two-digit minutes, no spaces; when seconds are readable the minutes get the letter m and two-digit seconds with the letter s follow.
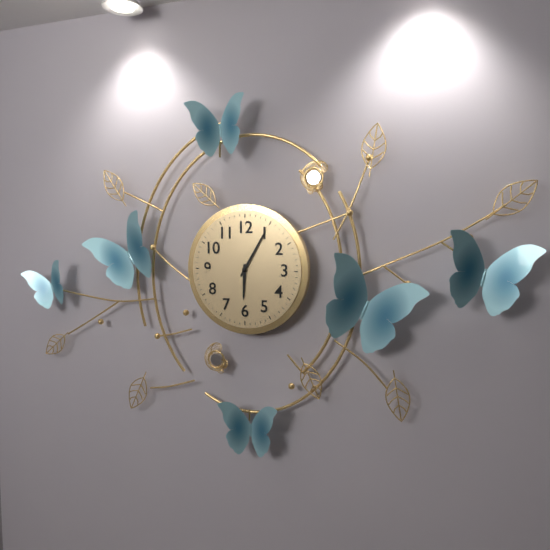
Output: 6h05
